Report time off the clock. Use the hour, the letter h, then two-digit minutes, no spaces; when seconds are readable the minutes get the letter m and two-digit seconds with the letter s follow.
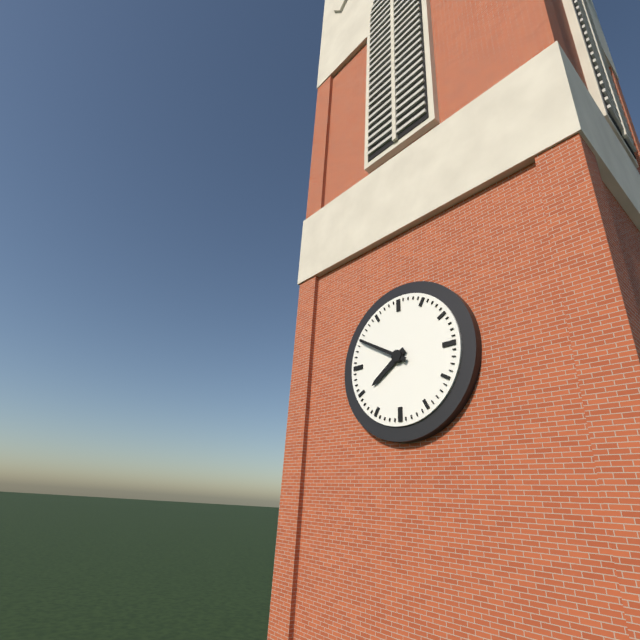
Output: 7h50
